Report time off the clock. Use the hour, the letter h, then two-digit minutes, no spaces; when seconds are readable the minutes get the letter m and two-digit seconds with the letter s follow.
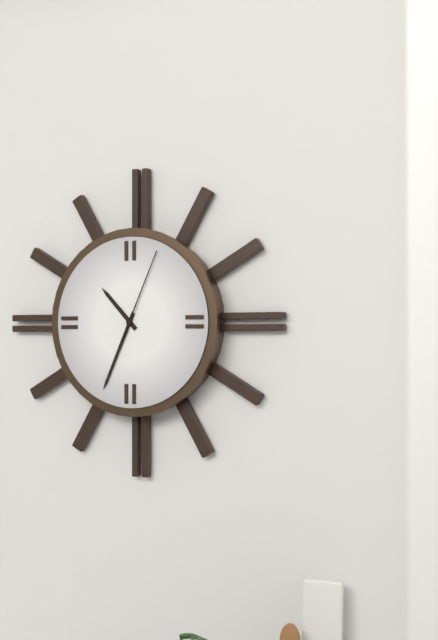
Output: 10h34m04s
